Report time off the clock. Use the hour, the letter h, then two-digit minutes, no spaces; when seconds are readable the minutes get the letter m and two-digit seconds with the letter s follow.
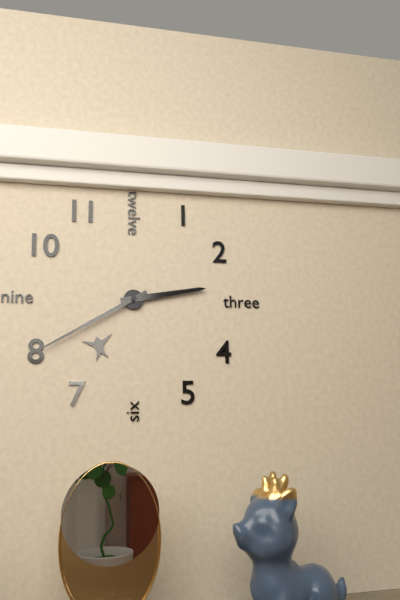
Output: 2h40
